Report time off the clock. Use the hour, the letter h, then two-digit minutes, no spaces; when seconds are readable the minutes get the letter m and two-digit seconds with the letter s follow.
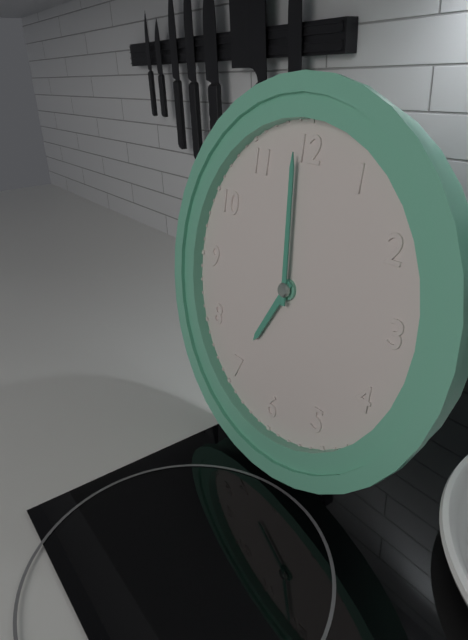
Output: 6h59
